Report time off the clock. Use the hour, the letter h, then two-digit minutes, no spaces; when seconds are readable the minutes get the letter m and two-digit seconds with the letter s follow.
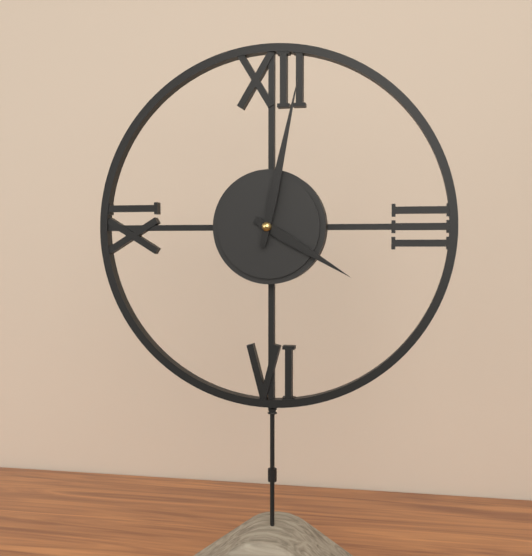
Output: 4h02
